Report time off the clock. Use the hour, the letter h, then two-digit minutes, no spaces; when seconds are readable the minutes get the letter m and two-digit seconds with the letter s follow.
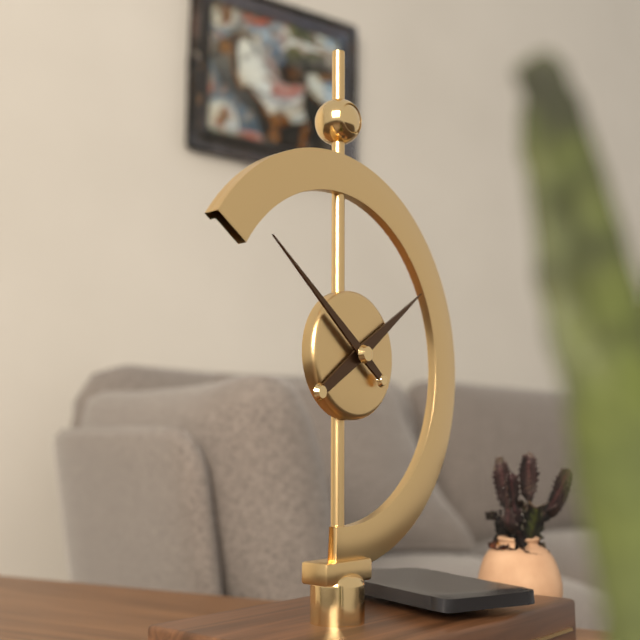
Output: 1h51
